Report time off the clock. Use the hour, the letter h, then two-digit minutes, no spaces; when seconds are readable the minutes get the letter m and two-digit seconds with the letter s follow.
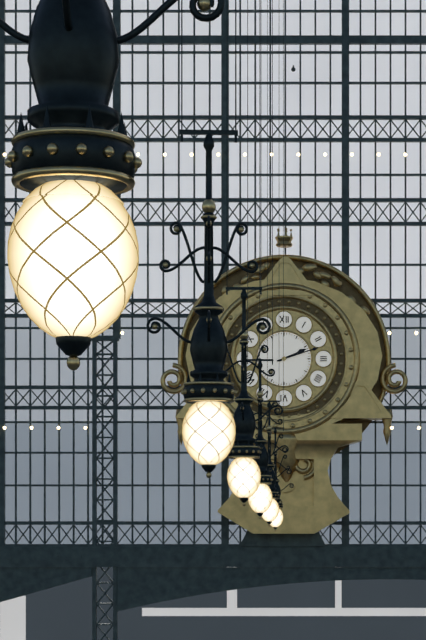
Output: 2h12
